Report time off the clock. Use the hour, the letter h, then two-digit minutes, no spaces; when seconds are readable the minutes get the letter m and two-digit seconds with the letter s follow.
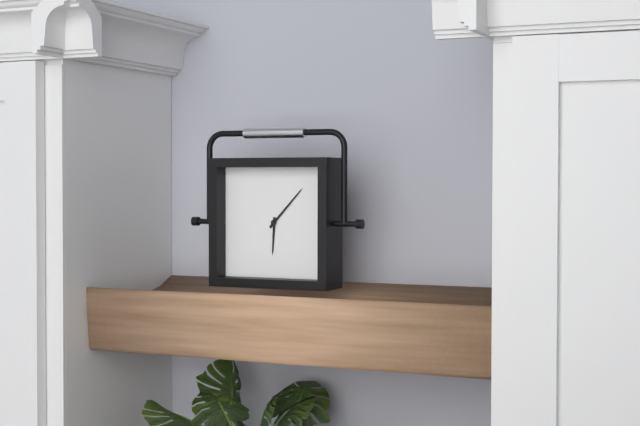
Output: 6h07
